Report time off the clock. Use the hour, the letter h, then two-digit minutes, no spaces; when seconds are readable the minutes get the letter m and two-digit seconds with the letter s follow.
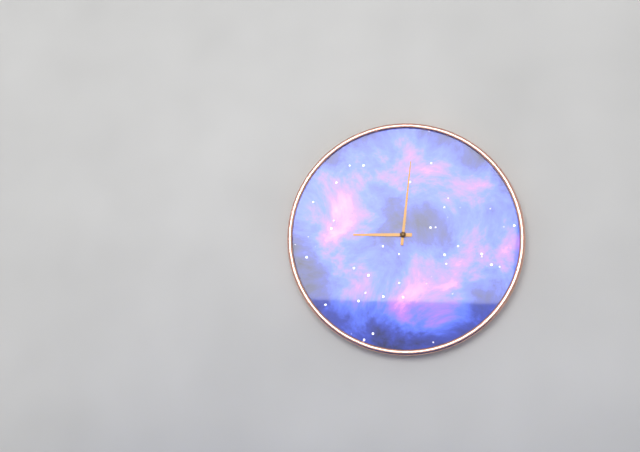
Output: 9h01
